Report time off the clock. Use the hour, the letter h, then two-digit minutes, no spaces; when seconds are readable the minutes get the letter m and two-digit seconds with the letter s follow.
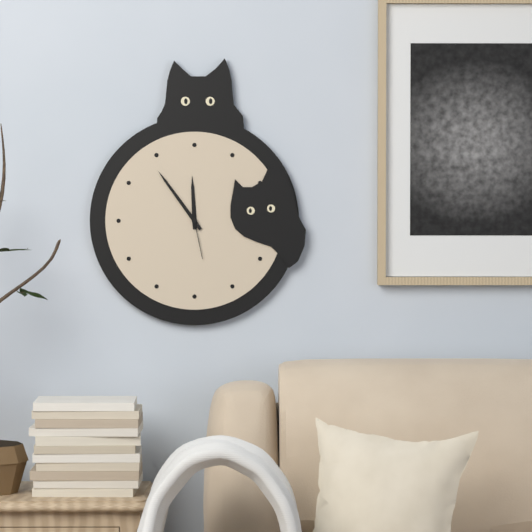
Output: 11h54
